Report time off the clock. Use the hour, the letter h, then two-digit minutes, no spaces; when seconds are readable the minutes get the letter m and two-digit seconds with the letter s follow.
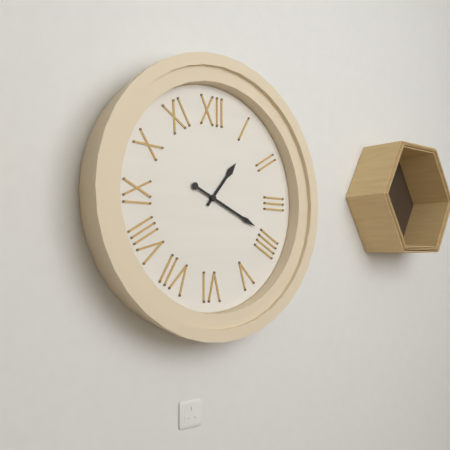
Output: 1h19
